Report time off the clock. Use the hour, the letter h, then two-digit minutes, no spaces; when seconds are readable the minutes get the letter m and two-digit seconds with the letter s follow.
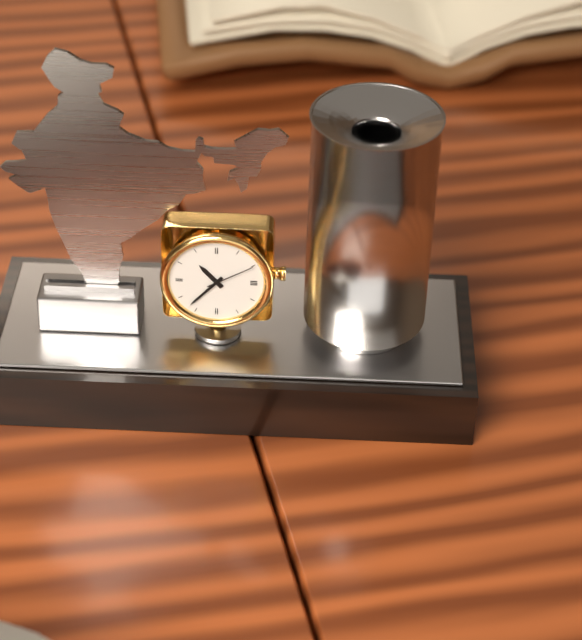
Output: 10h37
